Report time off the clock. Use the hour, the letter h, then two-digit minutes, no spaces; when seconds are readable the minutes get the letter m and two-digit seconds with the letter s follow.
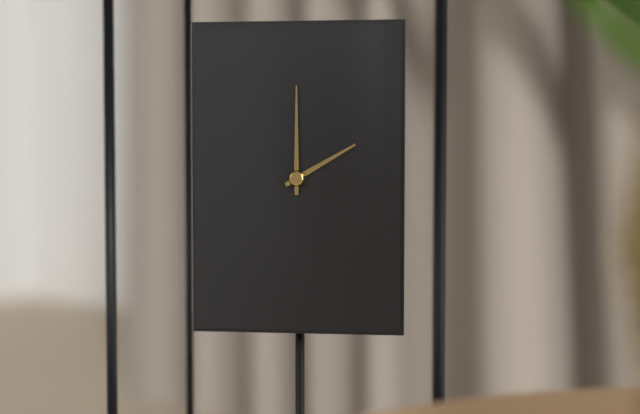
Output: 2h00
